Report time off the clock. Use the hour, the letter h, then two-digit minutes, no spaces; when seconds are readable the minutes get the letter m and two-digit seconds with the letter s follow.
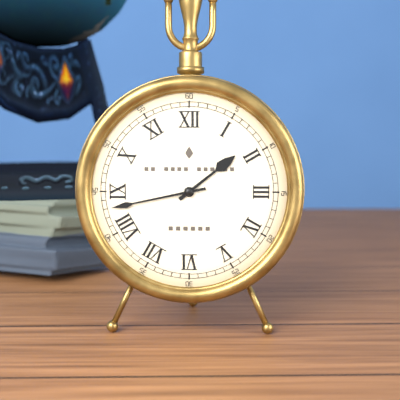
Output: 1h43
